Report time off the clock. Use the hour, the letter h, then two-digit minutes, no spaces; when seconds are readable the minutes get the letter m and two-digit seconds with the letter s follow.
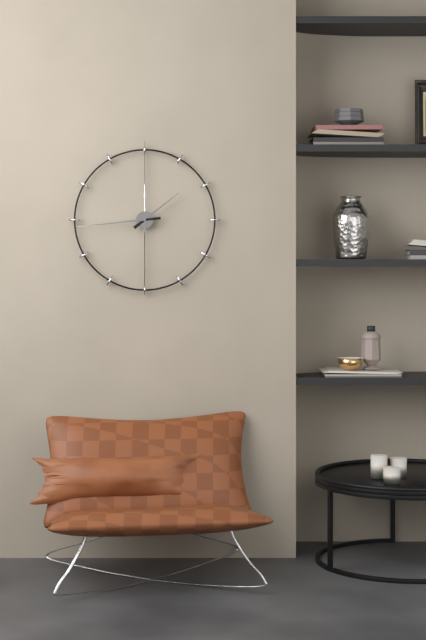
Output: 1h44
